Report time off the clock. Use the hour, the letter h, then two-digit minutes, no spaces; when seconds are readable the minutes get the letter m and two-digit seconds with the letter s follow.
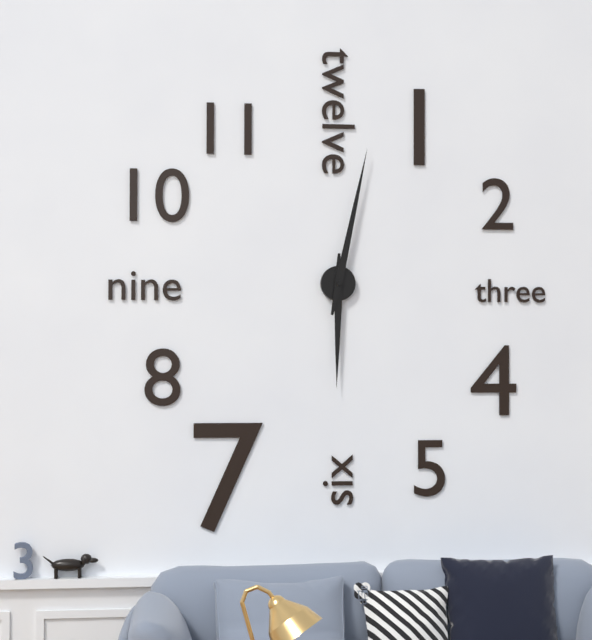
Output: 6h02
